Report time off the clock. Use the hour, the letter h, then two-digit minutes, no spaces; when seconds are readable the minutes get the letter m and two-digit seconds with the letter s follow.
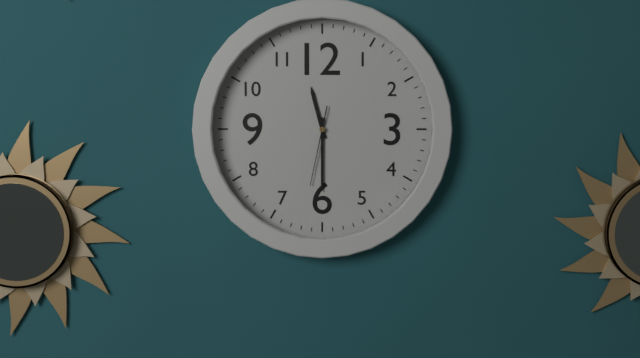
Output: 11h30m32s
